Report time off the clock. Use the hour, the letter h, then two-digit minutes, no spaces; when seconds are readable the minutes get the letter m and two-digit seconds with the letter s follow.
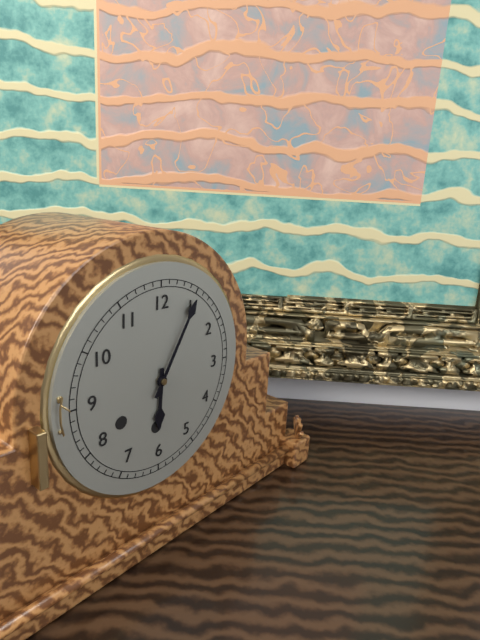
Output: 6h05
